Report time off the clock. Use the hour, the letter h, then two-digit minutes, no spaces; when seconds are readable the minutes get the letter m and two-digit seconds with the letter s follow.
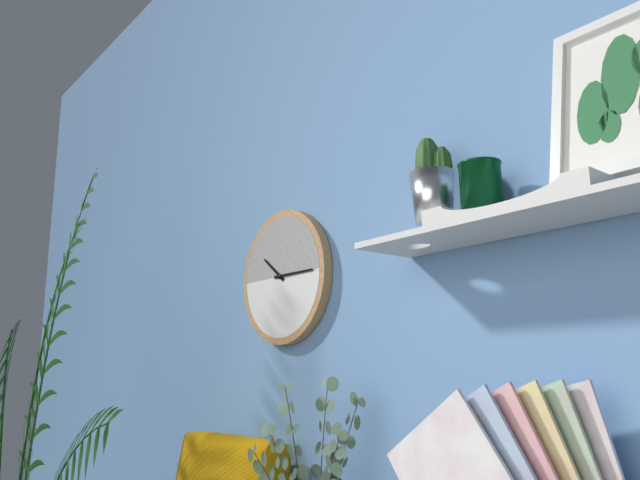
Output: 10h15
